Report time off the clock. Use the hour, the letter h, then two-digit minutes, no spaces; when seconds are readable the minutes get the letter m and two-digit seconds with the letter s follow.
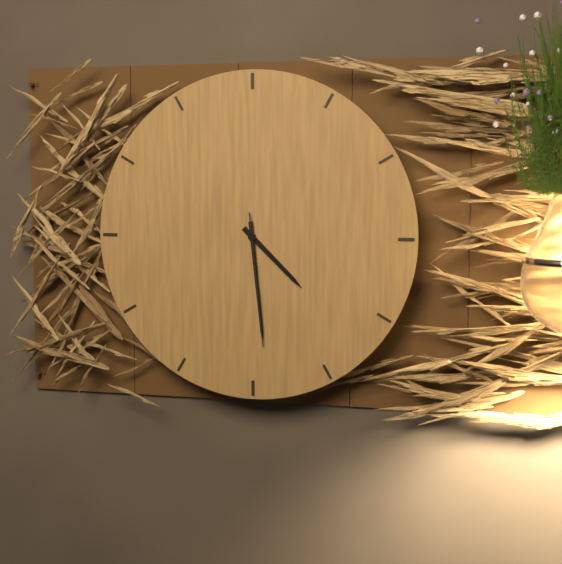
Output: 4h29m29s
